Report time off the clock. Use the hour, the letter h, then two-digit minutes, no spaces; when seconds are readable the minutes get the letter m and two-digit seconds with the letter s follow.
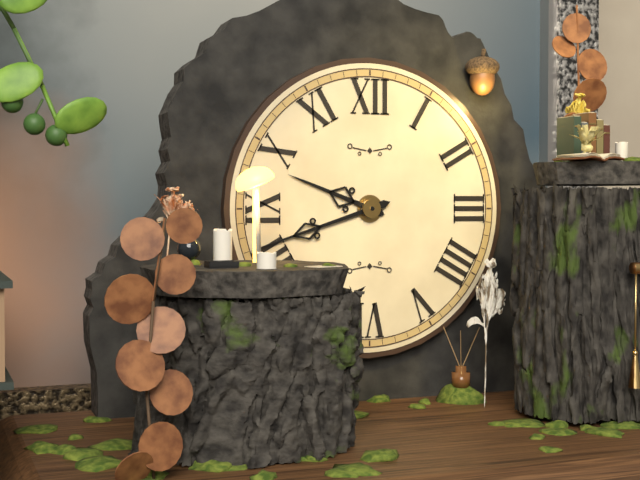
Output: 9h42
